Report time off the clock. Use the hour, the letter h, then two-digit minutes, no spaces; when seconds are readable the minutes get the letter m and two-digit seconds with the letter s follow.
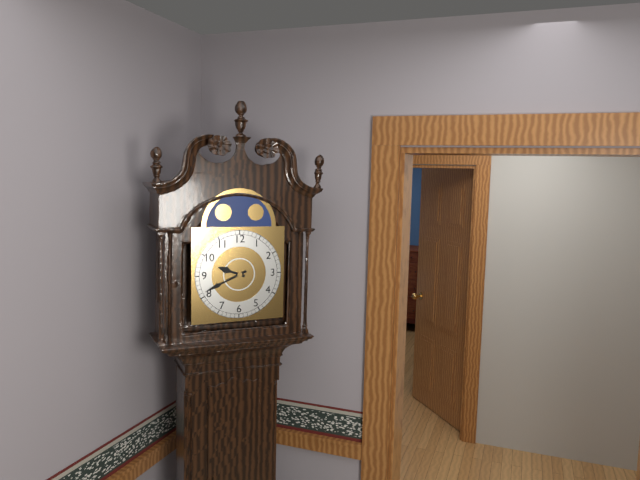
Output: 9h41
